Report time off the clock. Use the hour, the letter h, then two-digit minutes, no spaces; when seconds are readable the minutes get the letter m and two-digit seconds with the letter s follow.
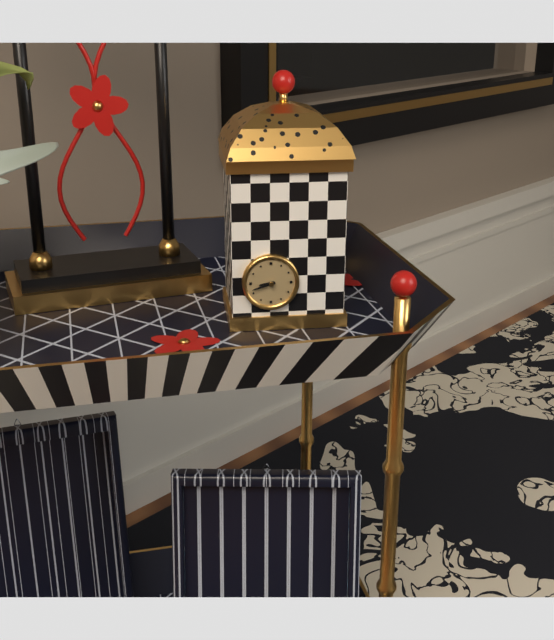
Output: 8h42
